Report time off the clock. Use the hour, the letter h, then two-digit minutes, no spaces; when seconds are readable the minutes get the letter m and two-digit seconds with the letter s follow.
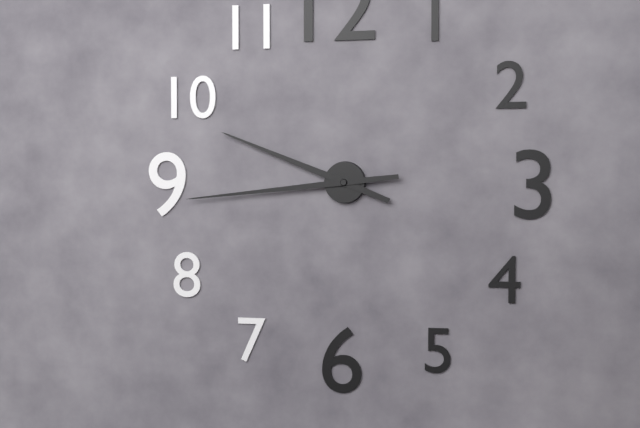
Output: 9h44
